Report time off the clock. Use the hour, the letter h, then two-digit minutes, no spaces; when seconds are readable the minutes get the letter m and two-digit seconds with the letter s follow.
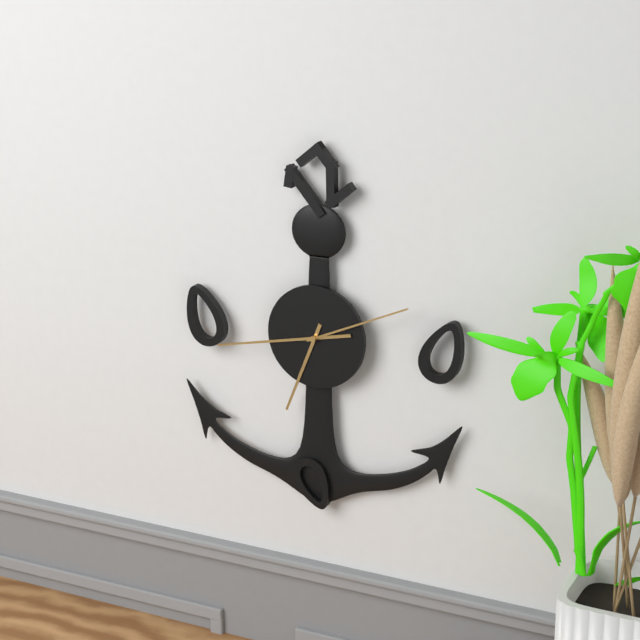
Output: 6h43m11s
